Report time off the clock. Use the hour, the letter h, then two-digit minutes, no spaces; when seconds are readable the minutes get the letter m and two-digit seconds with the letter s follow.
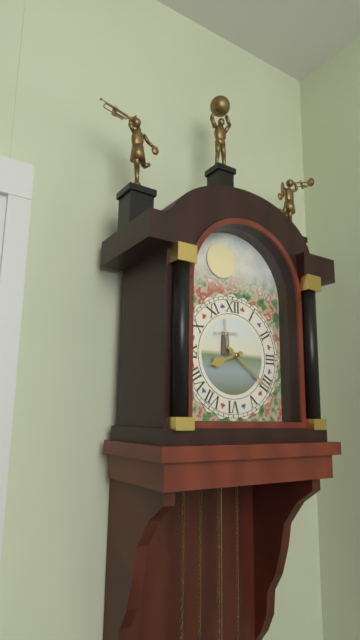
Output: 8h21
